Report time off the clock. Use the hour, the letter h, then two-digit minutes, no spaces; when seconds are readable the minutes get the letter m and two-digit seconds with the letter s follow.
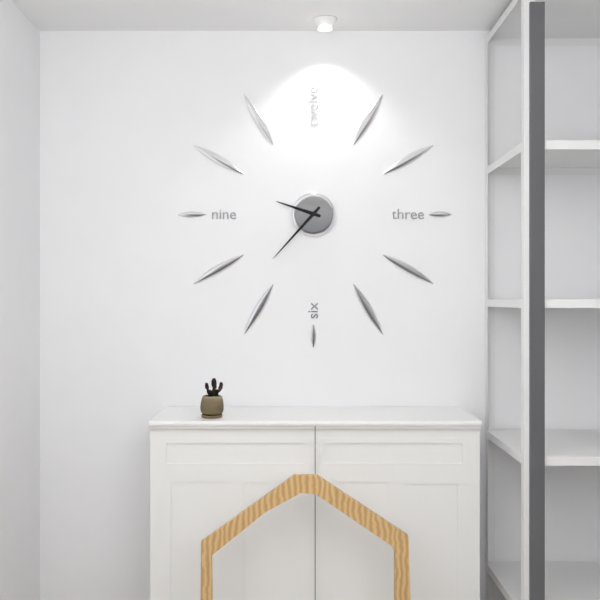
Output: 9h37
